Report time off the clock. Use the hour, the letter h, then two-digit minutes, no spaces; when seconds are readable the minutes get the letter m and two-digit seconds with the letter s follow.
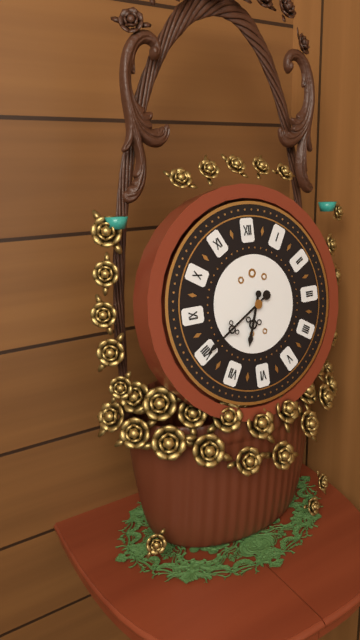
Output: 6h40
